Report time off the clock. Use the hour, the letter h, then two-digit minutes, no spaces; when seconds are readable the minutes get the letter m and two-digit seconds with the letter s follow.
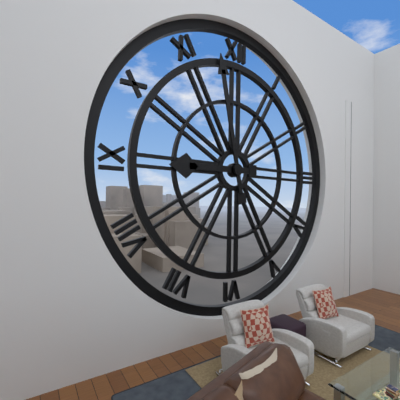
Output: 8h58
